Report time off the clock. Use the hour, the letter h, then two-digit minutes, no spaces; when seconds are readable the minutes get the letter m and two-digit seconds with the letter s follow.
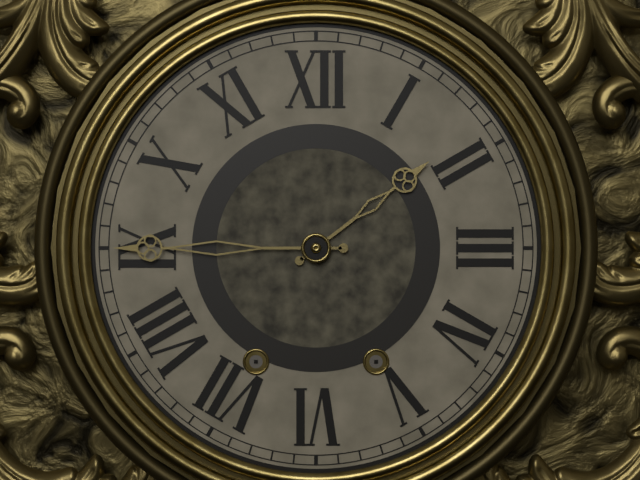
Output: 1h45
